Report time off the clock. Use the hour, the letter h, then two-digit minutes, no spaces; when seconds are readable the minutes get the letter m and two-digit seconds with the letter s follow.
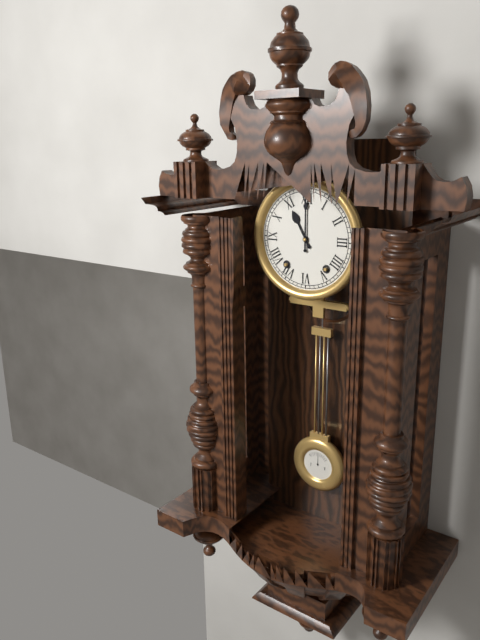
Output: 11h00
